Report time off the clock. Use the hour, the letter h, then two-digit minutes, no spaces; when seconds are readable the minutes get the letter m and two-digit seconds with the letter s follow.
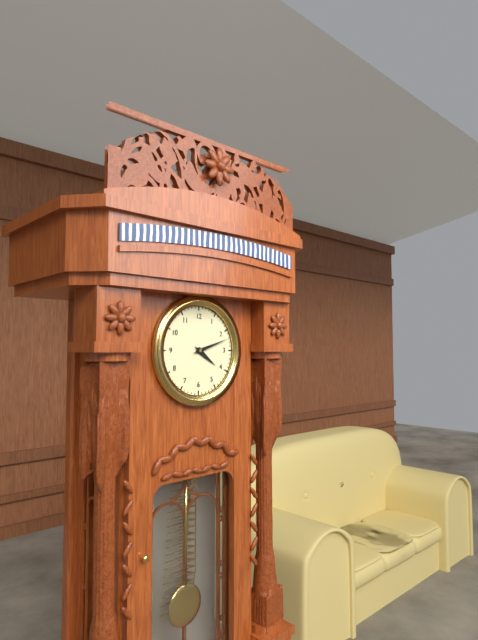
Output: 4h12
